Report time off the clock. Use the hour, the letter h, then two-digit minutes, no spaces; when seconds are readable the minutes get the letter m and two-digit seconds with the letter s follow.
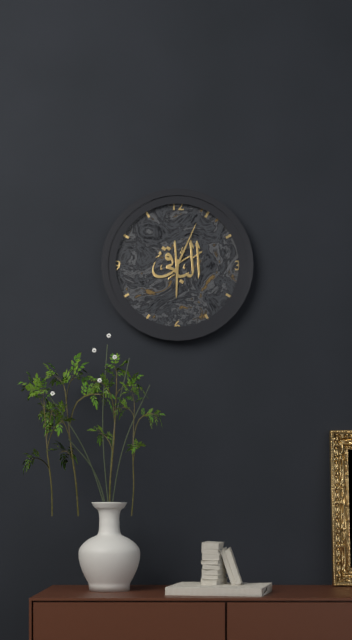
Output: 6h04
